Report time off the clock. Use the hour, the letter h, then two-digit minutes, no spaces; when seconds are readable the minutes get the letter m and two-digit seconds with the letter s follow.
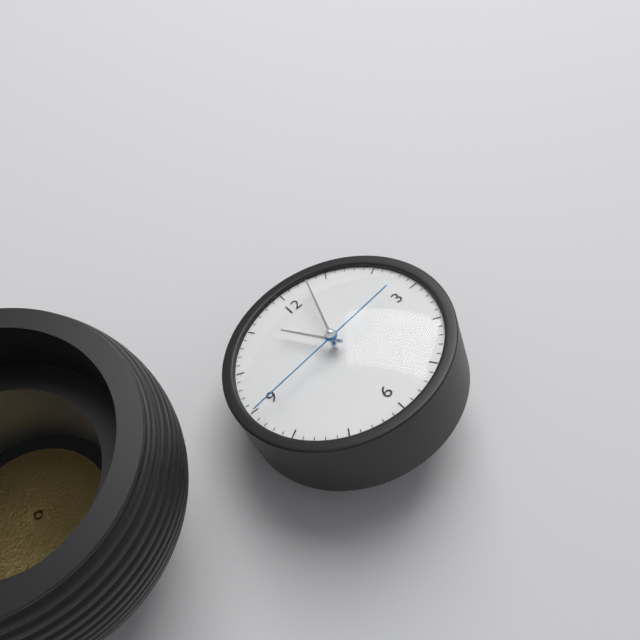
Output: 11h03m44s
